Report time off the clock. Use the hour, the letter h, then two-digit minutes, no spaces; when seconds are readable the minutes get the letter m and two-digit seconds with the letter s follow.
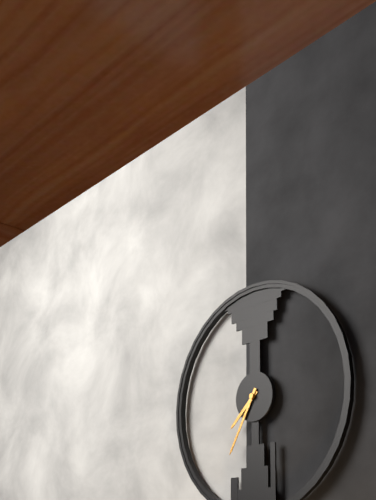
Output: 7h35
